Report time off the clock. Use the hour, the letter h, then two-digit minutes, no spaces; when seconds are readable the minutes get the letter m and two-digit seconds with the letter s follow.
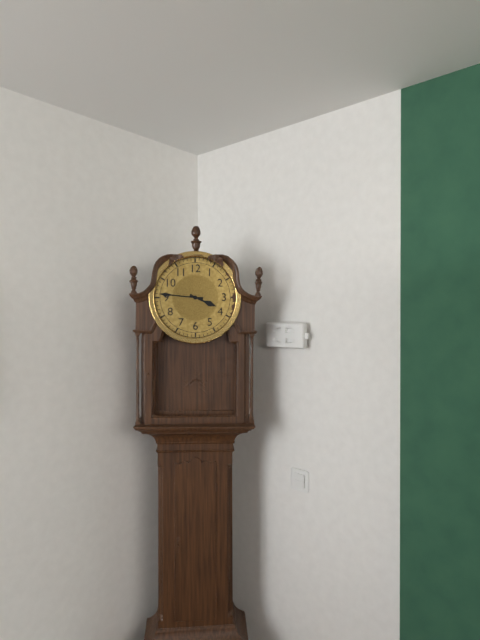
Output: 3h46
